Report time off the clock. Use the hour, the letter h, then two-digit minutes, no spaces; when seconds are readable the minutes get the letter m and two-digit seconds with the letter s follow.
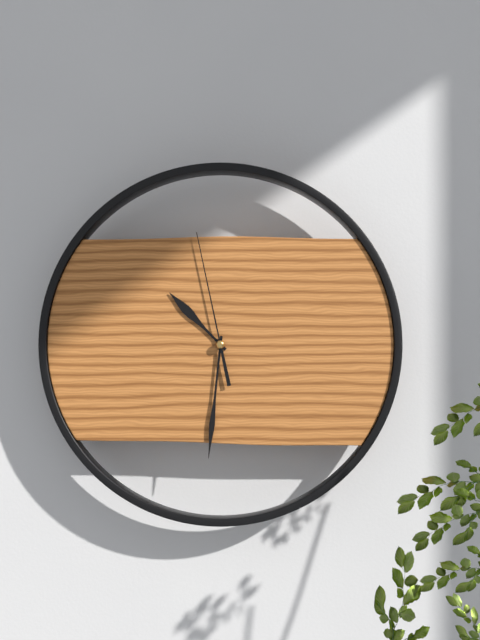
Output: 10h31m58s
